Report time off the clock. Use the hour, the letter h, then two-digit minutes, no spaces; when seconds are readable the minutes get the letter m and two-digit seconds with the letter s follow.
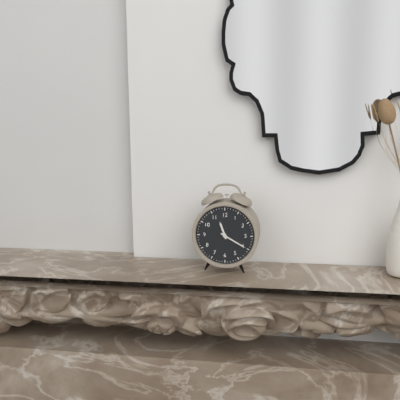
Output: 11h20
